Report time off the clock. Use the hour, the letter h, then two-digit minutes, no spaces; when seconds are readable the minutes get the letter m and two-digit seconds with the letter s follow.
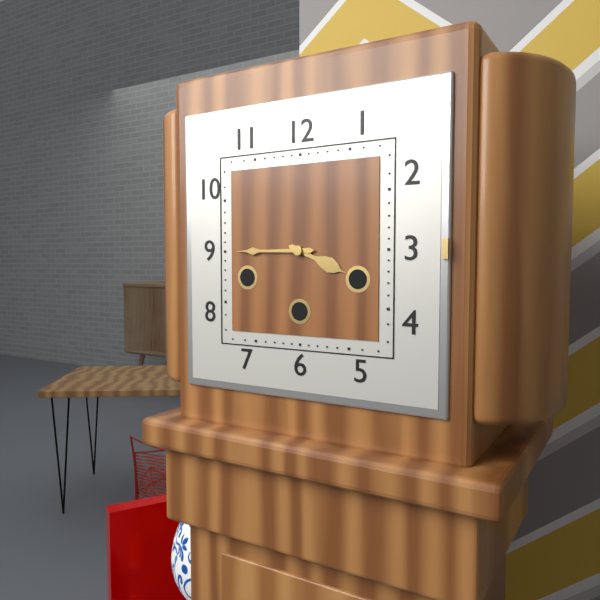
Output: 3h45
